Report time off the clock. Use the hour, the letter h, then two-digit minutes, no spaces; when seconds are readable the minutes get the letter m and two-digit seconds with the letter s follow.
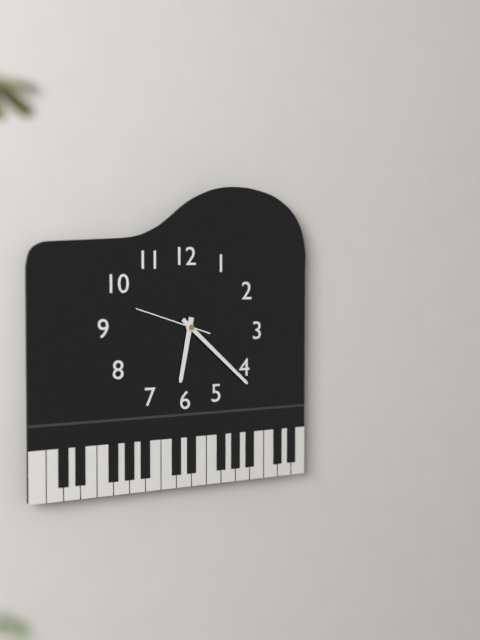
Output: 6h22m48s
